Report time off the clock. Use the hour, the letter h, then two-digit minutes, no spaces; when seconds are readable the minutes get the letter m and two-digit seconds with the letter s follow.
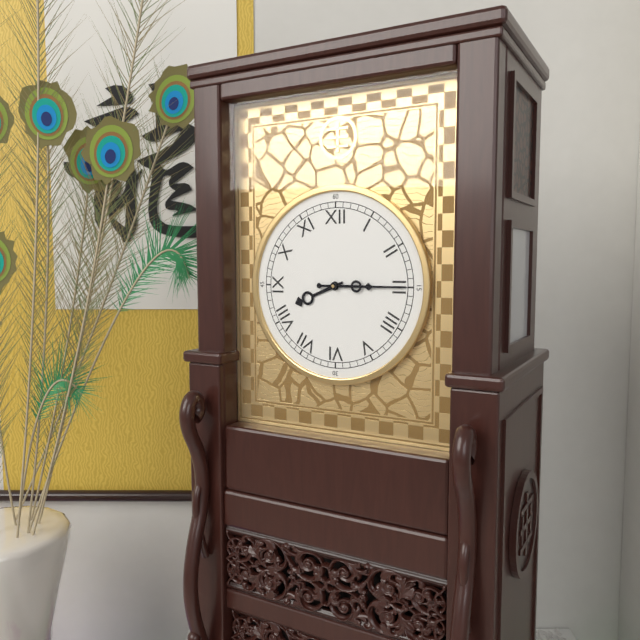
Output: 8h15
